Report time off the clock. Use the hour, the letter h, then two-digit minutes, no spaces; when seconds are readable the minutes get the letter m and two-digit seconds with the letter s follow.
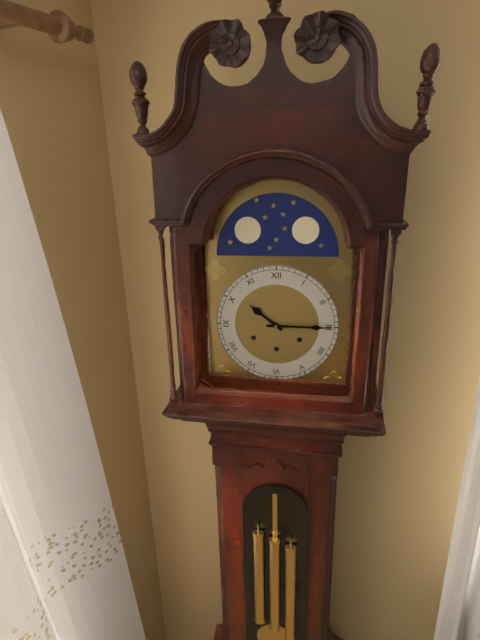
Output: 10h15
